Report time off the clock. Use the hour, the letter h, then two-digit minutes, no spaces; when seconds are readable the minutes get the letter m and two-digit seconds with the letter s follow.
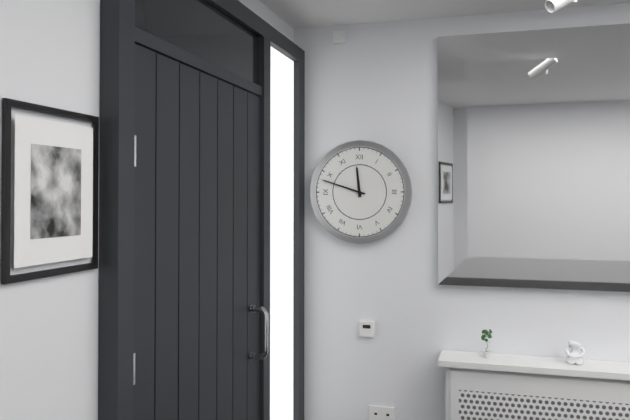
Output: 11h48
